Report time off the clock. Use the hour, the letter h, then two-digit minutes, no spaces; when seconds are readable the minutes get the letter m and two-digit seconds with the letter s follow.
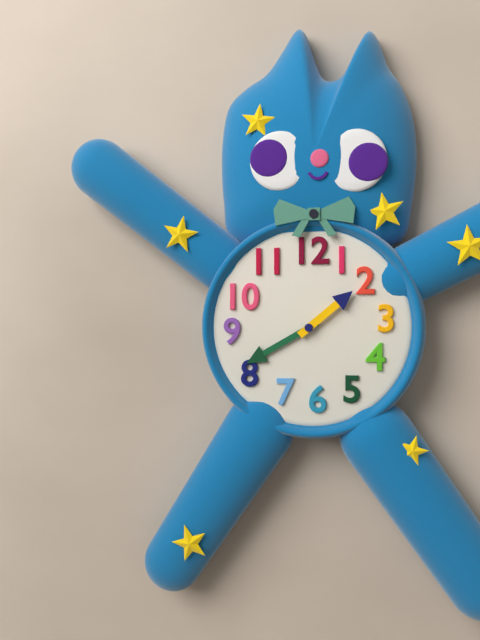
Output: 1h40
